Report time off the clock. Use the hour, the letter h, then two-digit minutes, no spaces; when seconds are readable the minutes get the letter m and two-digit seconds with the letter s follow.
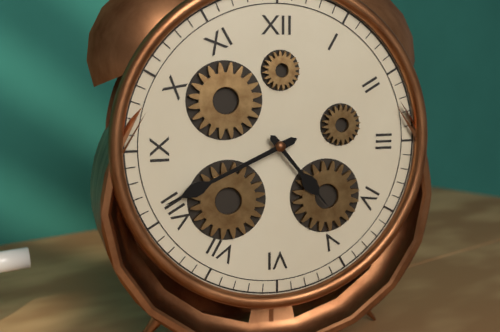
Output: 4h41
